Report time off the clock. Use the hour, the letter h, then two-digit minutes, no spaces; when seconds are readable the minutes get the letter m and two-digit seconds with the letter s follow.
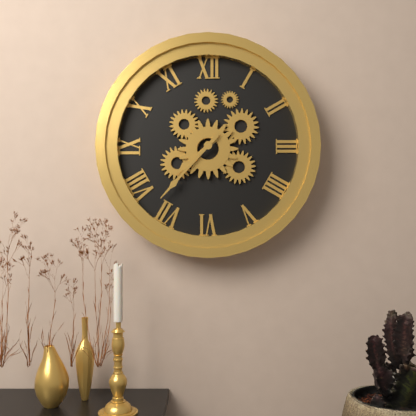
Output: 7h37
